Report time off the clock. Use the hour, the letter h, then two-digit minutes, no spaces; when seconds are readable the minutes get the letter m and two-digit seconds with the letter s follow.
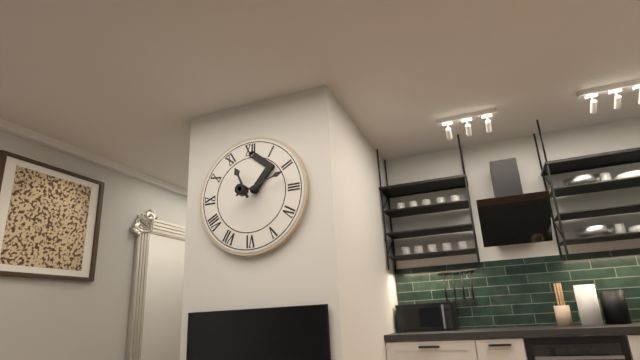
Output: 11h12
